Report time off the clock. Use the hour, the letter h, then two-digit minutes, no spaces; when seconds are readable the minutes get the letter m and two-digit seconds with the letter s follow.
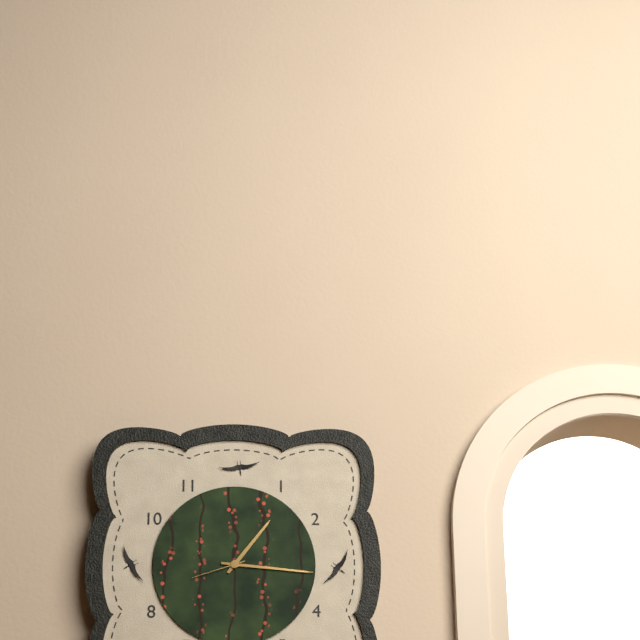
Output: 1h16m42s
